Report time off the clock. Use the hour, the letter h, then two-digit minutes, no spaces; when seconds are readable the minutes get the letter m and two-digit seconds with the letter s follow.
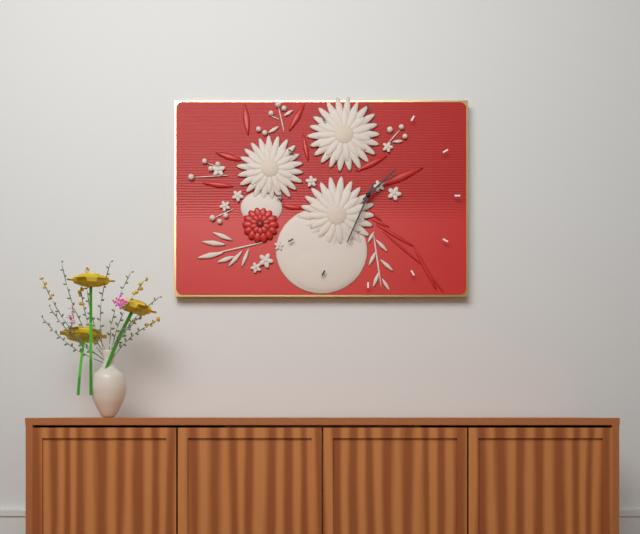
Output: 1h34
